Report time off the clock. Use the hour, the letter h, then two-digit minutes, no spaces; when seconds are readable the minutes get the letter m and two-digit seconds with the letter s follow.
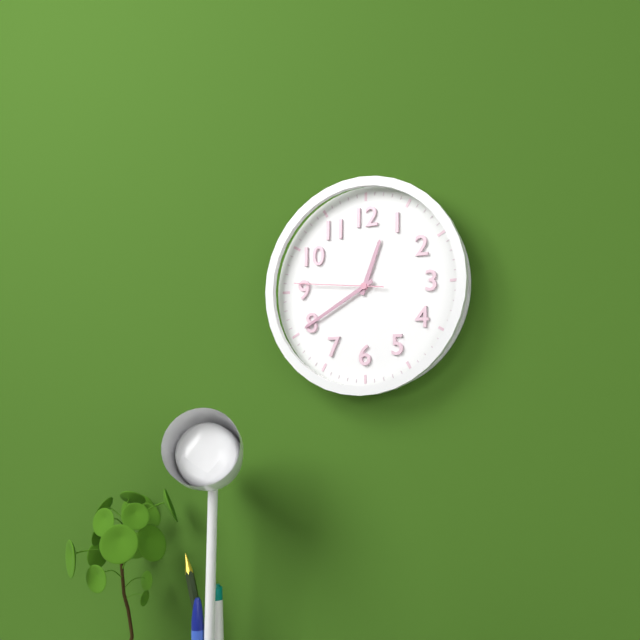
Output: 12h40m46s
